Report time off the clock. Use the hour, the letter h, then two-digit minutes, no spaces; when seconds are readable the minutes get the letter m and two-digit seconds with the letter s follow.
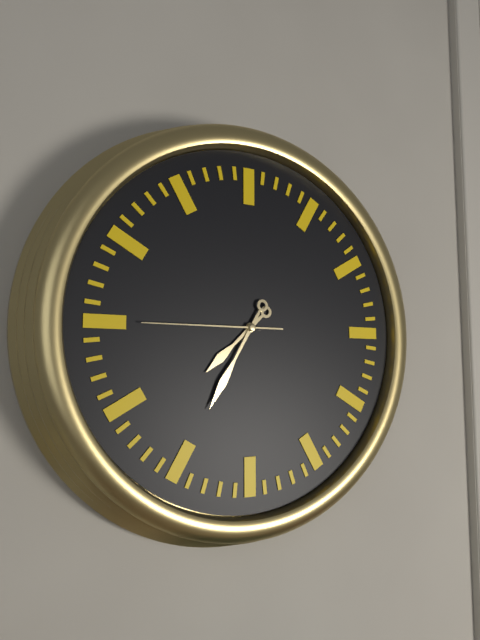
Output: 7h35m45s
